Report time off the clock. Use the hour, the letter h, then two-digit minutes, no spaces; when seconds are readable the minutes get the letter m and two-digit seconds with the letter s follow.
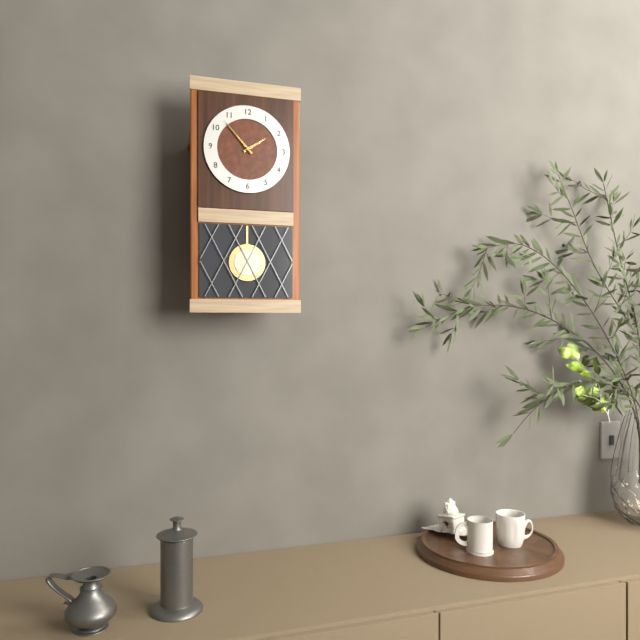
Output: 1h53
